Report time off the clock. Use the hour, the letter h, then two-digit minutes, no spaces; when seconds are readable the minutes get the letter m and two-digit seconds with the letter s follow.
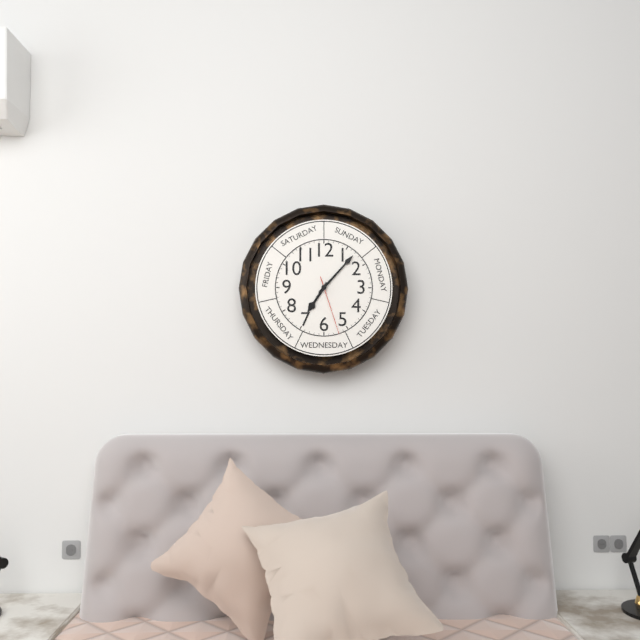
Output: 7h07m27s
